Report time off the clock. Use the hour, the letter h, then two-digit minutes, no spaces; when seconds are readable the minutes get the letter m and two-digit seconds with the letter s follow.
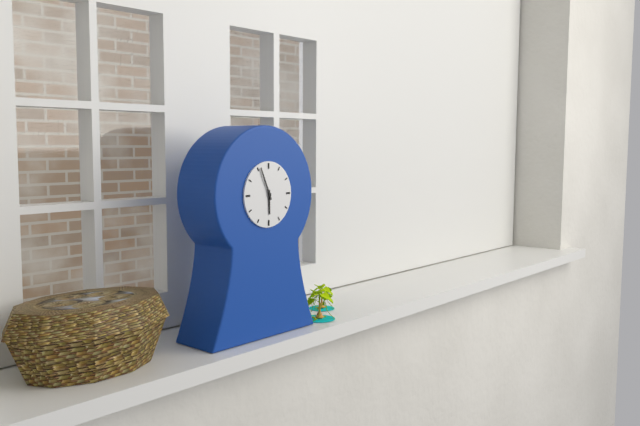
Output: 5h56
